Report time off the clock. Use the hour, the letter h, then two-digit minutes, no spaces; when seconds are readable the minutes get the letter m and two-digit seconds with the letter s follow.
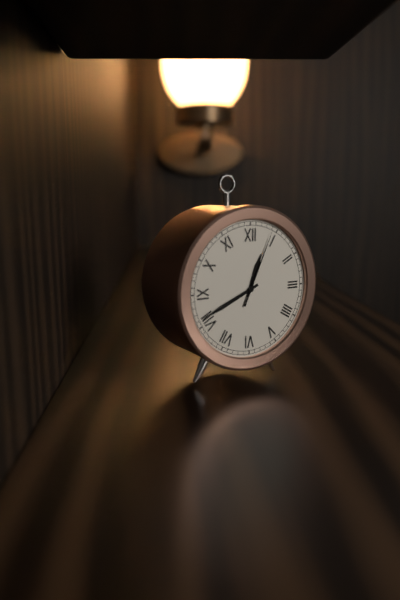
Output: 12h41m04s
